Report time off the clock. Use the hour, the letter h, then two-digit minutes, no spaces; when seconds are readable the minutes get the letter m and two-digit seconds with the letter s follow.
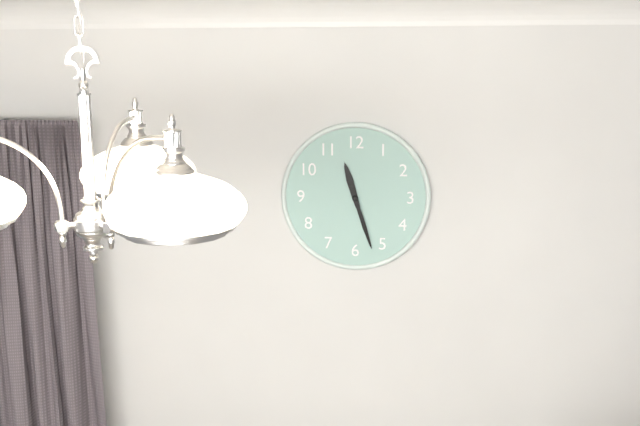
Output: 11h27
